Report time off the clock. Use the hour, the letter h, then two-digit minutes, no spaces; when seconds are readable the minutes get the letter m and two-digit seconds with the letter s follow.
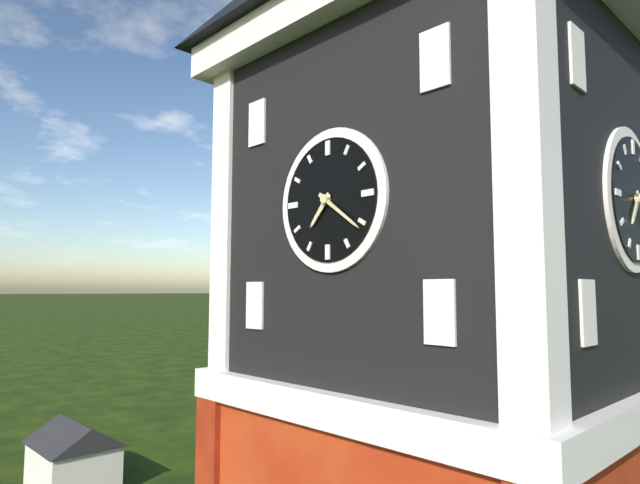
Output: 7h21
